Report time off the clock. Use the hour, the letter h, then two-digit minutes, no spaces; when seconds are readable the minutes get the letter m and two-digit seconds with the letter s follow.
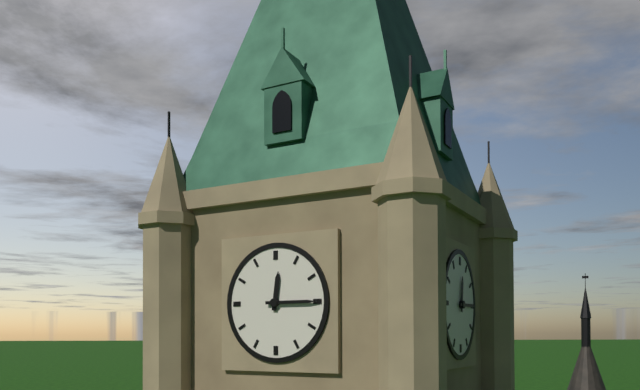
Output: 12h15
